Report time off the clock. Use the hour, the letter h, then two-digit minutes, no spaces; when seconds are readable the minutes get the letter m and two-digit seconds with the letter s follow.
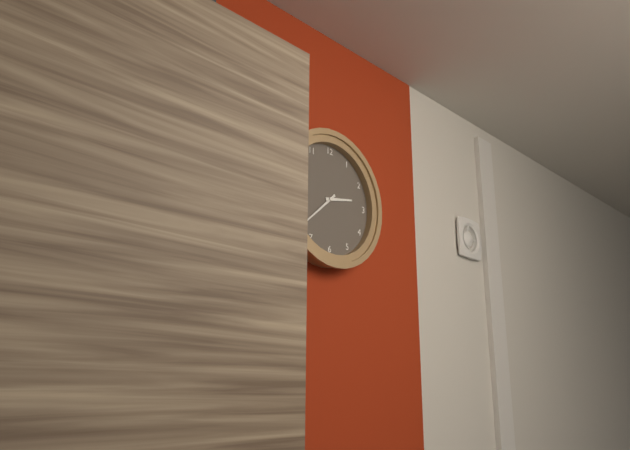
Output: 2h38
